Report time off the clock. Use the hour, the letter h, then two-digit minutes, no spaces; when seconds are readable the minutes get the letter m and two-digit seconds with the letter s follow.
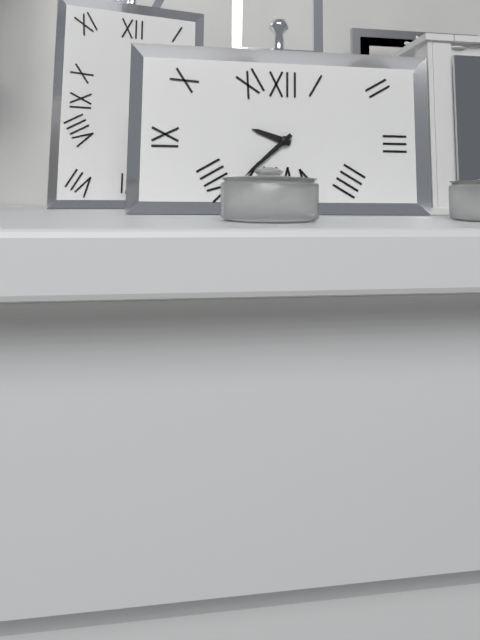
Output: 9h38
